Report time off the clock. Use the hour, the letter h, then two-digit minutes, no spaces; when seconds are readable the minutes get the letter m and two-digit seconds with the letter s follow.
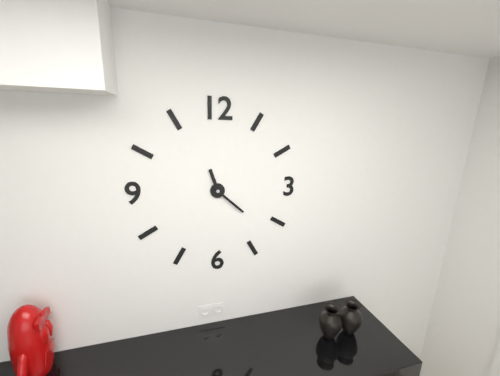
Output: 11h22
